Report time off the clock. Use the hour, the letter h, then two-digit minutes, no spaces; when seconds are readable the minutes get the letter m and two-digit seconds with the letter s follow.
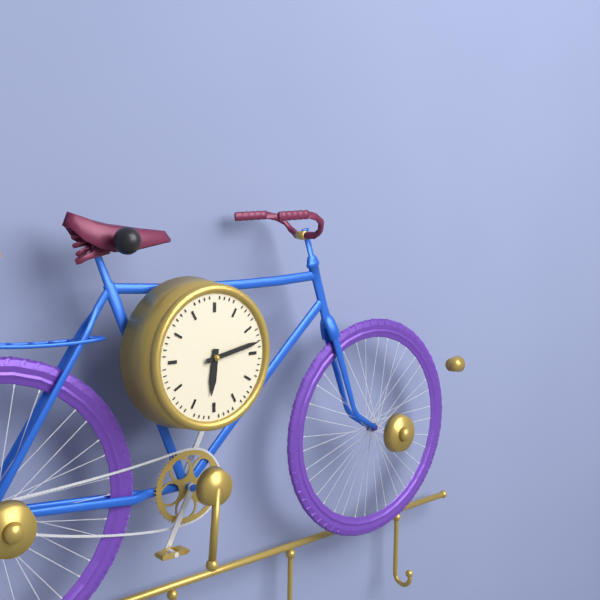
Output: 6h13
